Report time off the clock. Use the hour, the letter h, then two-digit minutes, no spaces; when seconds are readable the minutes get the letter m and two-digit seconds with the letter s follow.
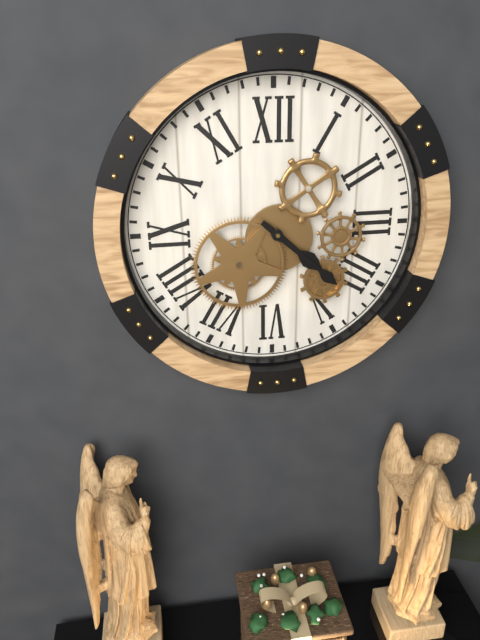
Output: 4h22
